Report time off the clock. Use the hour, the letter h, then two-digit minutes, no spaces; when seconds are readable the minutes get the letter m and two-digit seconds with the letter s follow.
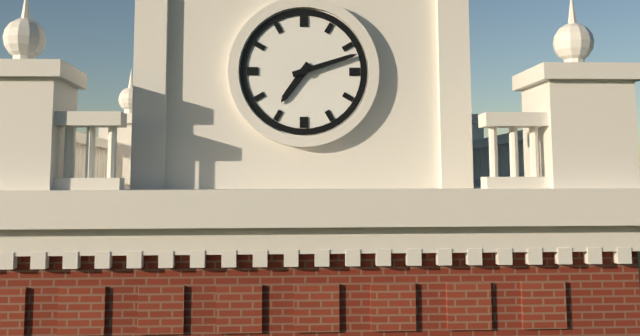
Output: 7h12
